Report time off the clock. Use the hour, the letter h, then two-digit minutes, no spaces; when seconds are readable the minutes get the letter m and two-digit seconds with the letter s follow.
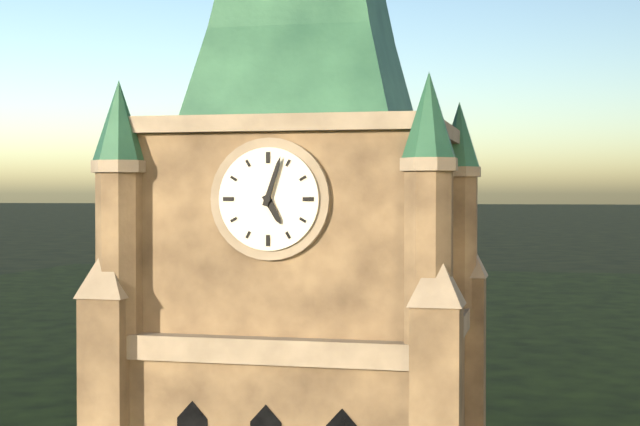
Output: 5h03
